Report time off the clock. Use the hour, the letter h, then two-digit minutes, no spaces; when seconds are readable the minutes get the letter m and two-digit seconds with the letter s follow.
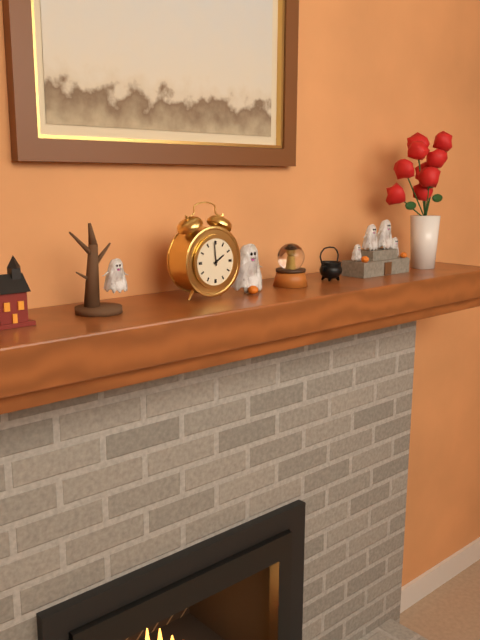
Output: 1h59
